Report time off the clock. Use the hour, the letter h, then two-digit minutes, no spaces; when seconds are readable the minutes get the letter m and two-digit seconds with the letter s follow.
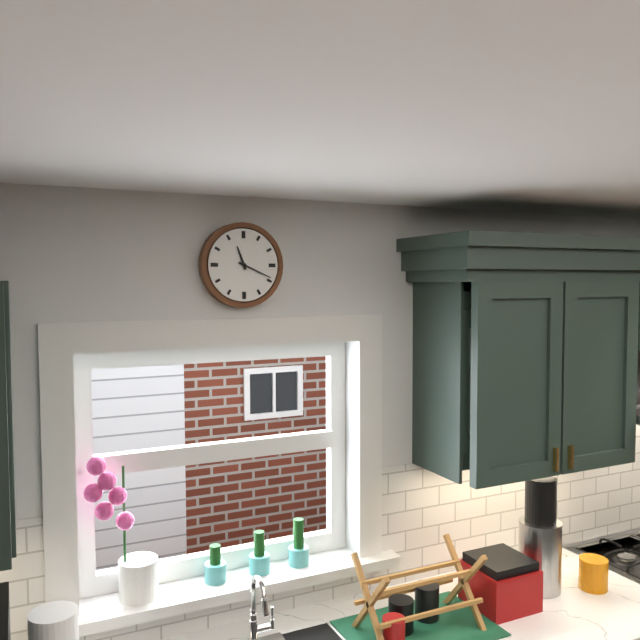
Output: 11h19
